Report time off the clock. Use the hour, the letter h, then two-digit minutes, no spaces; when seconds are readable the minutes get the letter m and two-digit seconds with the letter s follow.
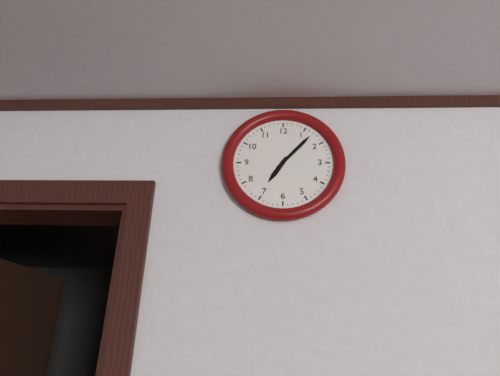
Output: 7h07
